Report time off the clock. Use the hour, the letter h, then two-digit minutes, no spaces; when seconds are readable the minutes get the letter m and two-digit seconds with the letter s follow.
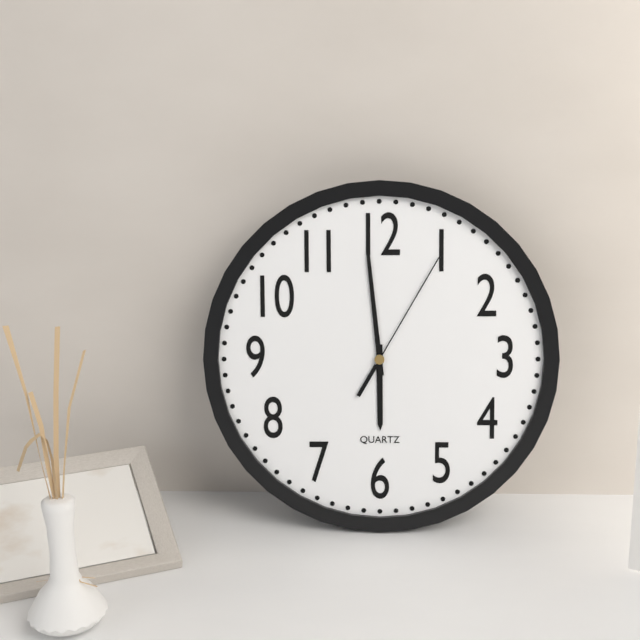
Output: 5h59m05s
